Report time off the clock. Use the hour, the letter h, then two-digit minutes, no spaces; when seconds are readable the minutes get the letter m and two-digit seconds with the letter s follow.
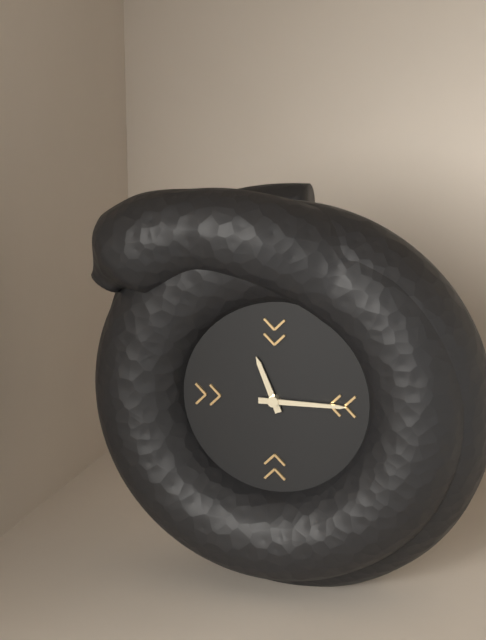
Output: 11h15
